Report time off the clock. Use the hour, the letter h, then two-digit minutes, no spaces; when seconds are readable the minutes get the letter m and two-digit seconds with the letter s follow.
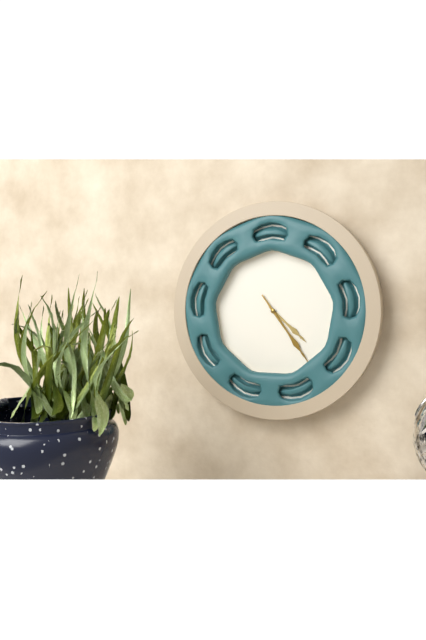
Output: 4h24
